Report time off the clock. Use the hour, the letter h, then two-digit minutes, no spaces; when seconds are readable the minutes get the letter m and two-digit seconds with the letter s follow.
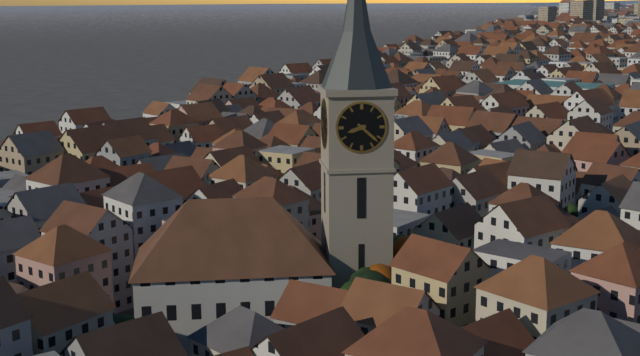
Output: 8h22
